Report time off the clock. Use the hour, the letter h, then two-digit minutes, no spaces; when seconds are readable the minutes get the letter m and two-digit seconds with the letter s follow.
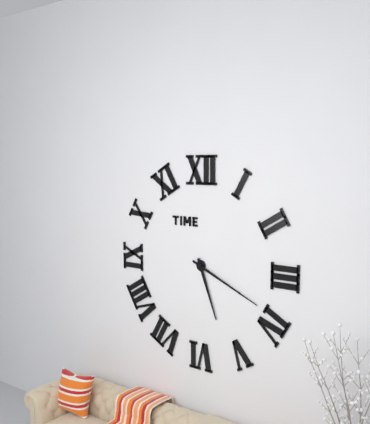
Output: 5h19
